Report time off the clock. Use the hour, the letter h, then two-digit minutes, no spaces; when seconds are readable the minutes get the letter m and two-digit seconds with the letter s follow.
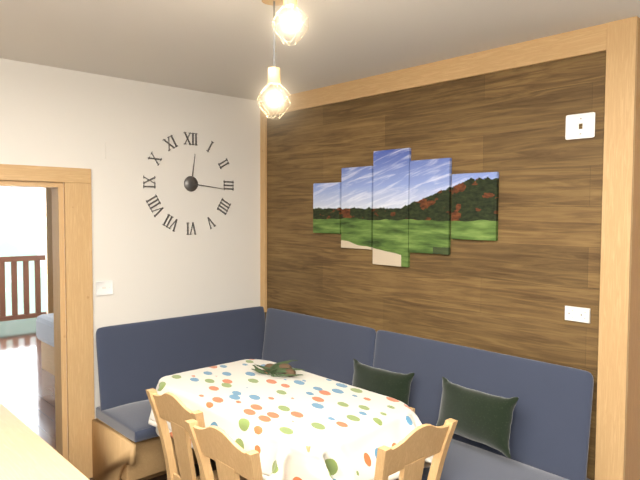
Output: 12h16
